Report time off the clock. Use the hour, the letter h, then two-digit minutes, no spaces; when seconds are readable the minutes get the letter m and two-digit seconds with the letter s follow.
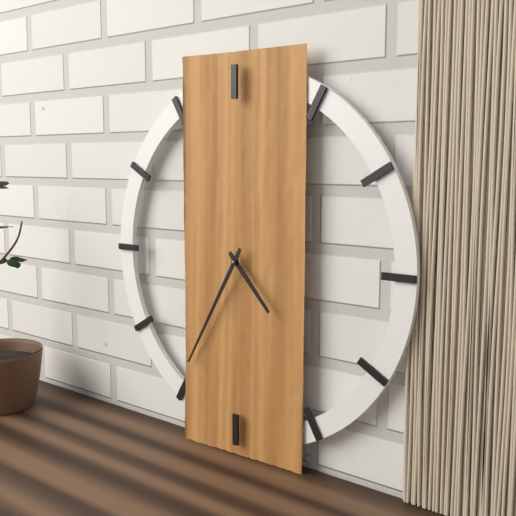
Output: 4h35
